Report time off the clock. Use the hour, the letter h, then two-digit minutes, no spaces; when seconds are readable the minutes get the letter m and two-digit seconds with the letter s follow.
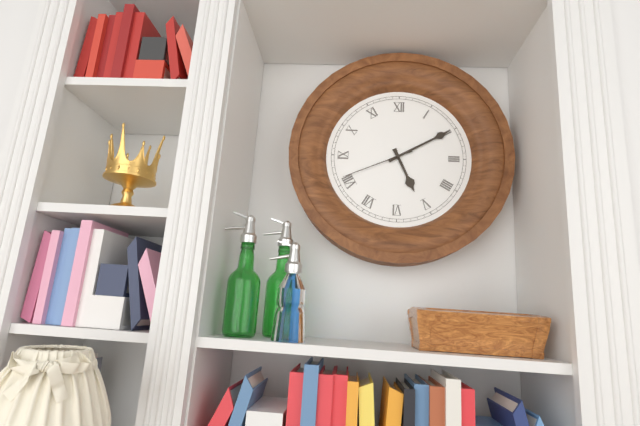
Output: 5h10m41s
